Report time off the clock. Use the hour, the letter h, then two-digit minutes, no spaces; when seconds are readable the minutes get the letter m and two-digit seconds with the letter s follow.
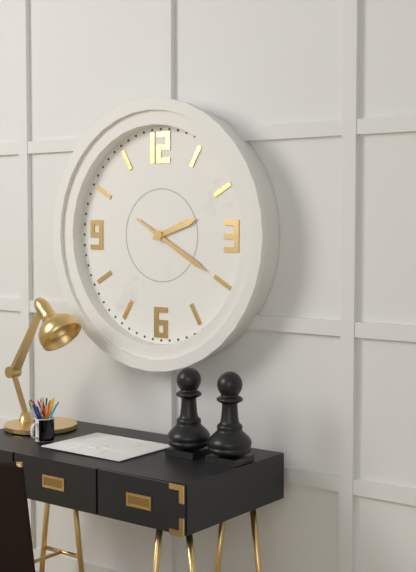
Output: 2h20
